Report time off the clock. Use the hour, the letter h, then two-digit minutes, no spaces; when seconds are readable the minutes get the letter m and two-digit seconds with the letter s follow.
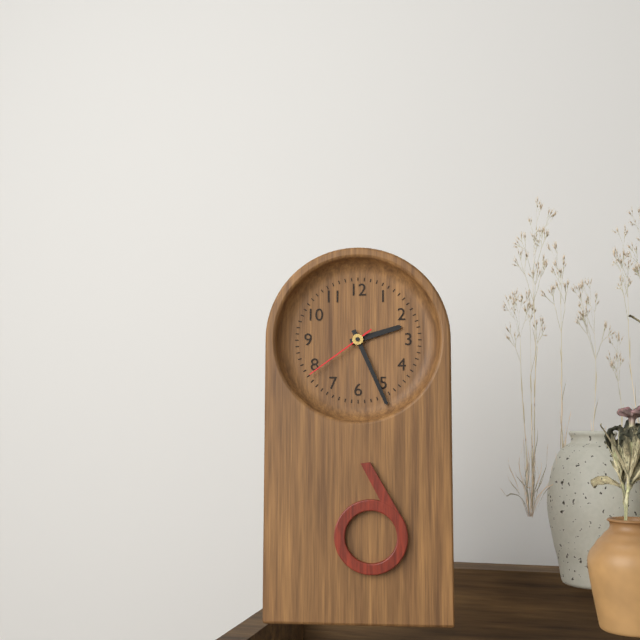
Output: 2h26m39s
